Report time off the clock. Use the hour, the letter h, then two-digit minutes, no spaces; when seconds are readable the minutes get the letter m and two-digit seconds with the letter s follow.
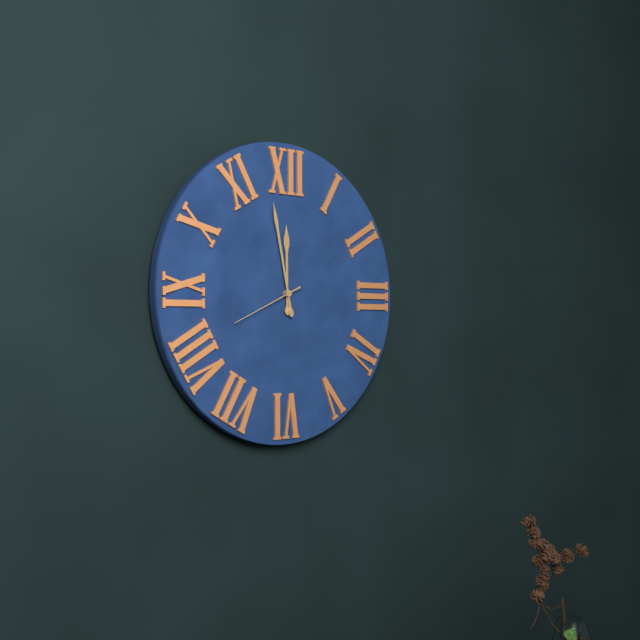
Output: 11h58m41s
